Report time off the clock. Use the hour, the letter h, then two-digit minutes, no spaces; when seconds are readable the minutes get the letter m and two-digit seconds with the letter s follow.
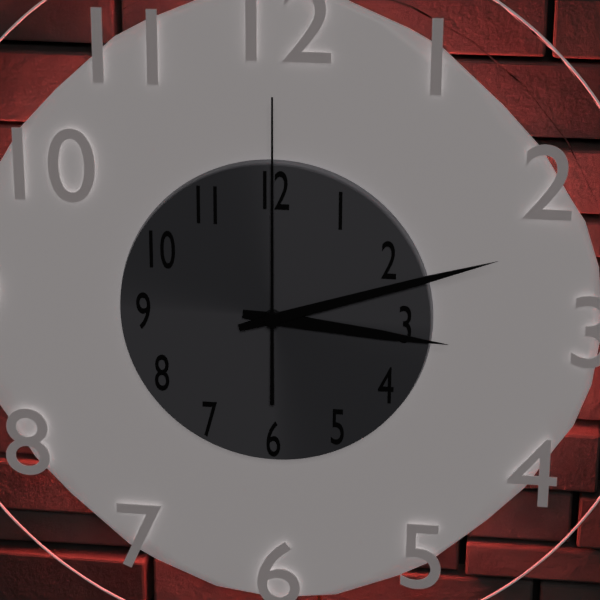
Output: 3h12m00s
